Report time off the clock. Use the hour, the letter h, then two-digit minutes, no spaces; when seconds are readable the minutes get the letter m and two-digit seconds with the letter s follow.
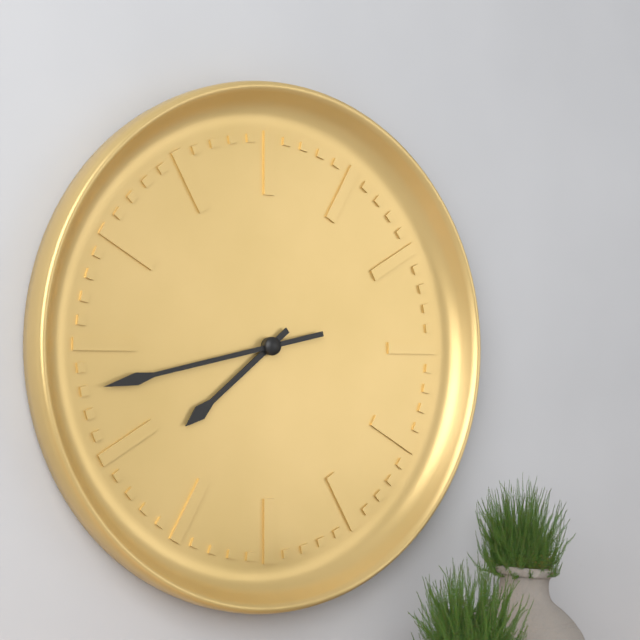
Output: 7h43
